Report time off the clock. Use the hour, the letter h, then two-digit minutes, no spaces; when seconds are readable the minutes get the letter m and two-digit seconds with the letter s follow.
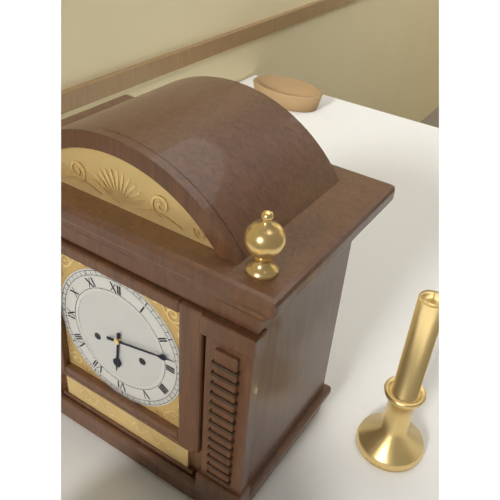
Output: 6h13
